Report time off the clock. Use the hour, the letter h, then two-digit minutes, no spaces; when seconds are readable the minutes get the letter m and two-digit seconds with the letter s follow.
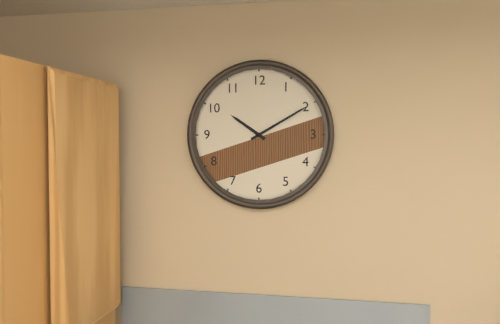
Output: 10h10
